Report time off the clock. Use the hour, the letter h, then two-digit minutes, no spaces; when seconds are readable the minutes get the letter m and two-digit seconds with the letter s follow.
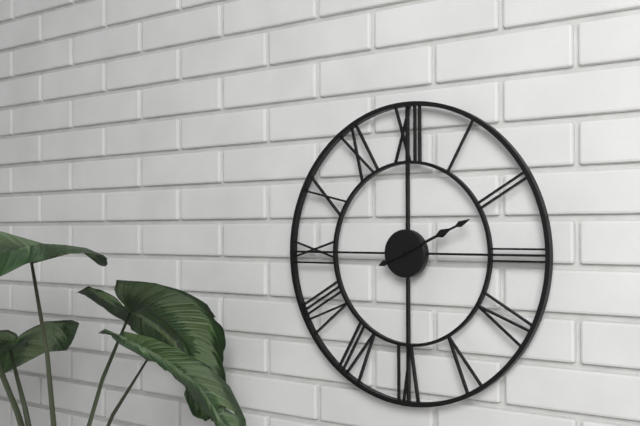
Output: 2h11
